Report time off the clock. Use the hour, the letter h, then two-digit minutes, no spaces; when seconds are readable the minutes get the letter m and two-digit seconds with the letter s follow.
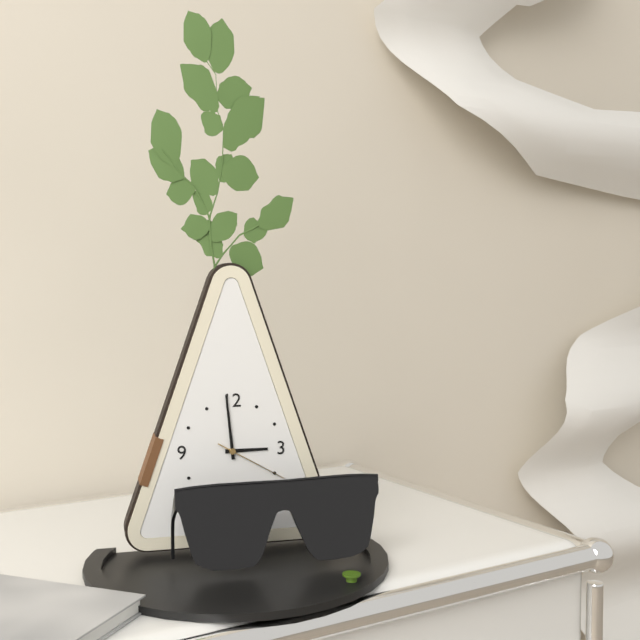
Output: 2h59m20s
